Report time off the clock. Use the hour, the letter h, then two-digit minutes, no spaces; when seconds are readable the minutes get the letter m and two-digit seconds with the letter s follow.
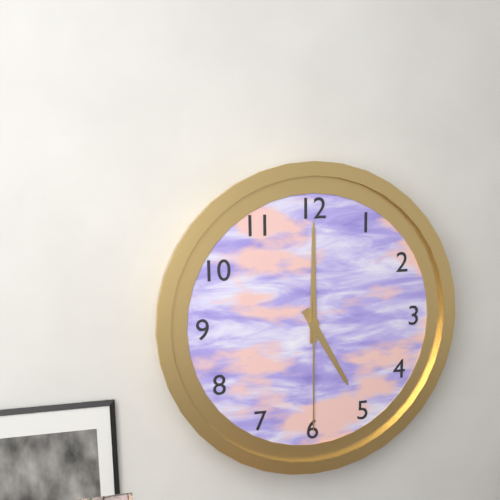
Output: 5h00m30s
